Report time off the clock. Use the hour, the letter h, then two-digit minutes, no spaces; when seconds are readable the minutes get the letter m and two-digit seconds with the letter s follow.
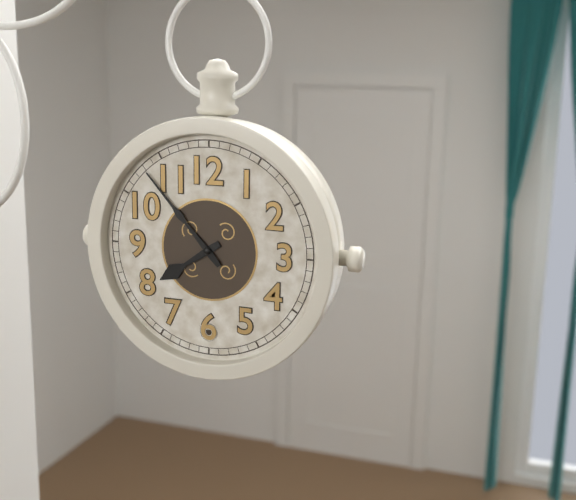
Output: 7h53
